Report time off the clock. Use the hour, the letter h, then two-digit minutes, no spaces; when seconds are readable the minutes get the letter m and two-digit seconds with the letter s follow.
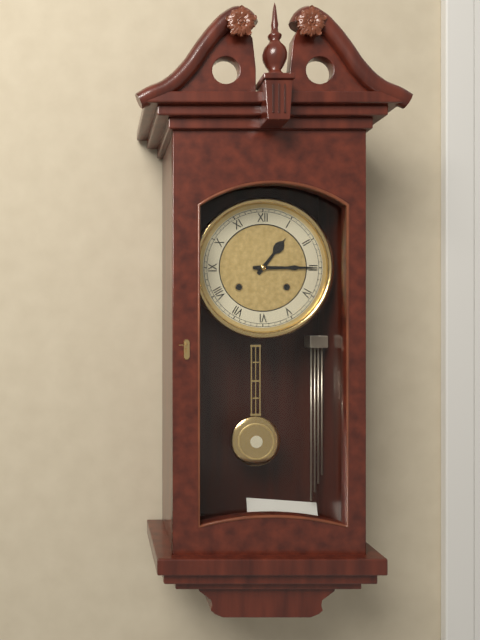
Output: 1h15
